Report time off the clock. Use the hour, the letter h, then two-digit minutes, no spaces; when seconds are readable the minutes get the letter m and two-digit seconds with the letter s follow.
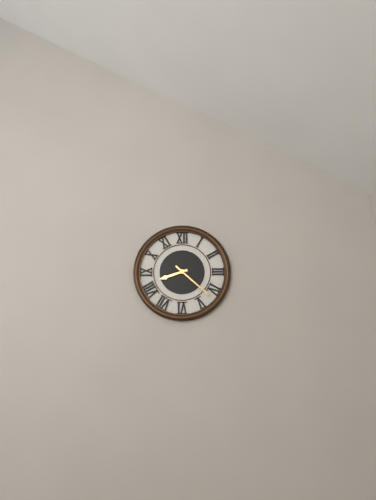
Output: 8h22
